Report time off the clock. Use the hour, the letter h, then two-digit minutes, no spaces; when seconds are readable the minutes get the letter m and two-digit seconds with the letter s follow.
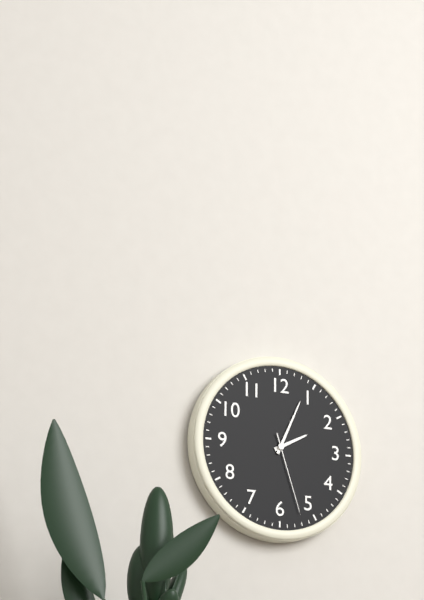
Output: 2h04m27s
